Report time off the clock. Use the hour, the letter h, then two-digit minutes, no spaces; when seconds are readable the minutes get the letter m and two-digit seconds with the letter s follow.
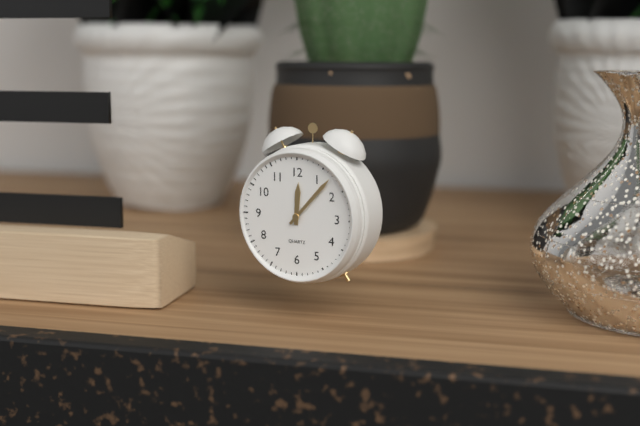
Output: 12h07
